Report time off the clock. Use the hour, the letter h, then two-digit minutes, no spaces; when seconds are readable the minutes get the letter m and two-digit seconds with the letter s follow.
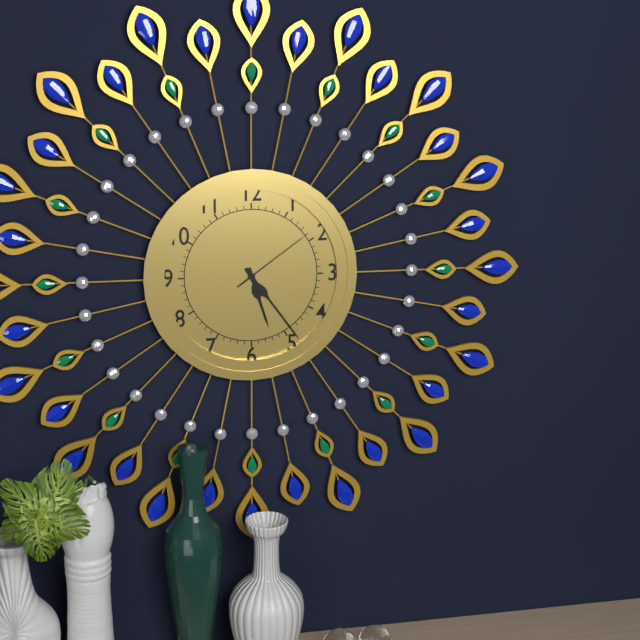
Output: 5h24m09s
